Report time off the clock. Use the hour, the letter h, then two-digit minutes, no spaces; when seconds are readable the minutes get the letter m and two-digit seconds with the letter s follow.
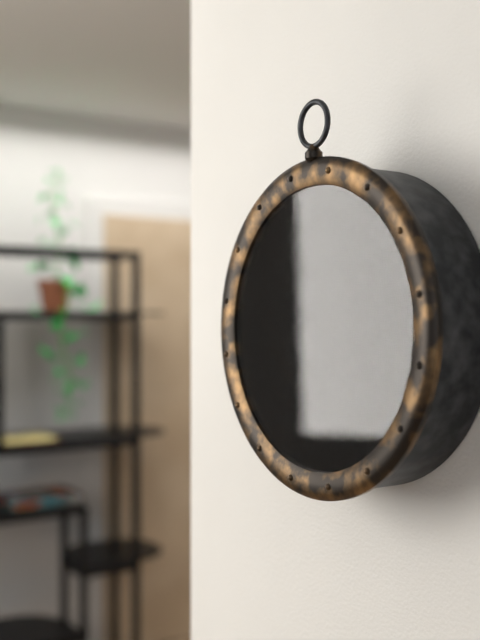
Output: 1h33
